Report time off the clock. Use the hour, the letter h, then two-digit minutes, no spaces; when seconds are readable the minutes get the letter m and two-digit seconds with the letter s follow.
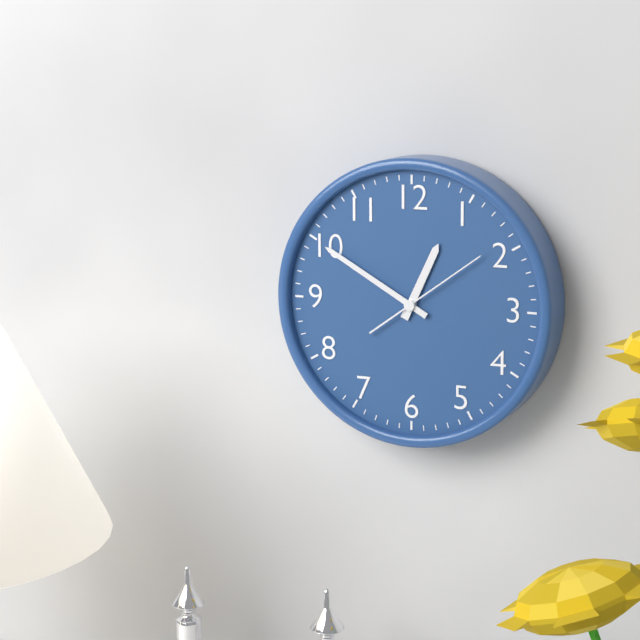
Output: 12h50m09s
